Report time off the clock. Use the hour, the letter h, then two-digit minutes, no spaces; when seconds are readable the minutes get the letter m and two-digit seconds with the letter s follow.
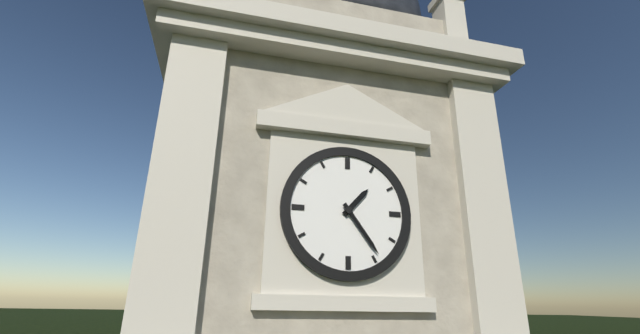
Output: 1h24
